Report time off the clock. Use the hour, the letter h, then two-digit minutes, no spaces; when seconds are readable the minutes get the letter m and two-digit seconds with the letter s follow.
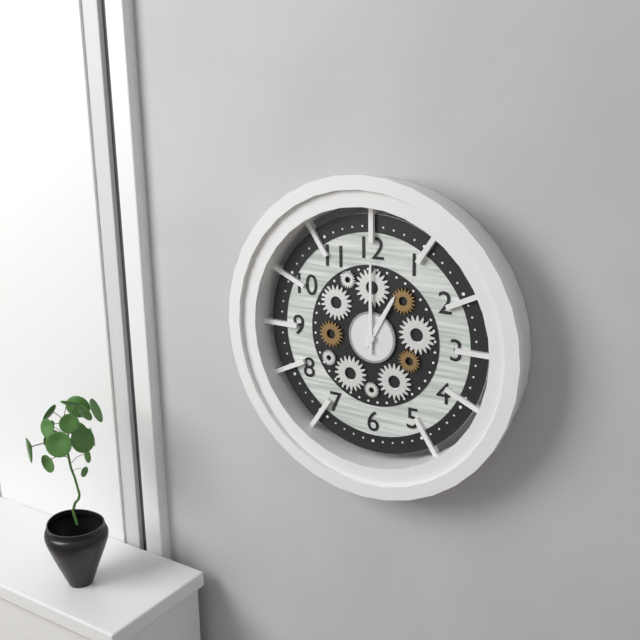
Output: 1h00
